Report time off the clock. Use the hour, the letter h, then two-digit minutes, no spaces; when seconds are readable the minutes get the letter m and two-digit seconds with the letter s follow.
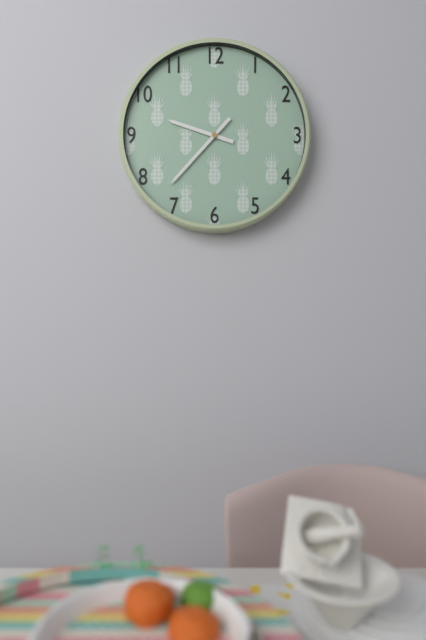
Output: 9h37
